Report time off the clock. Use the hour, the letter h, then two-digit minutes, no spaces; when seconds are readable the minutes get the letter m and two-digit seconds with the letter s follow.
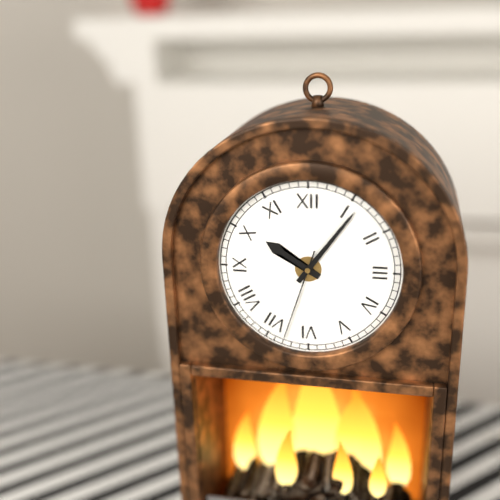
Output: 10h06m33s
